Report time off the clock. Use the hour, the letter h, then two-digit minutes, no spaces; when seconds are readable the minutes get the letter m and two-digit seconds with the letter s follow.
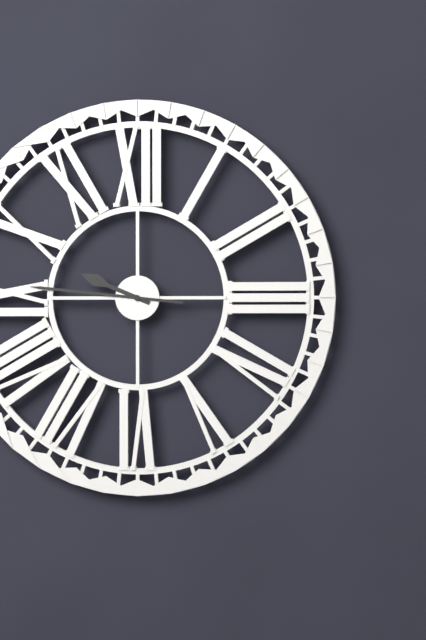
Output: 9h46
